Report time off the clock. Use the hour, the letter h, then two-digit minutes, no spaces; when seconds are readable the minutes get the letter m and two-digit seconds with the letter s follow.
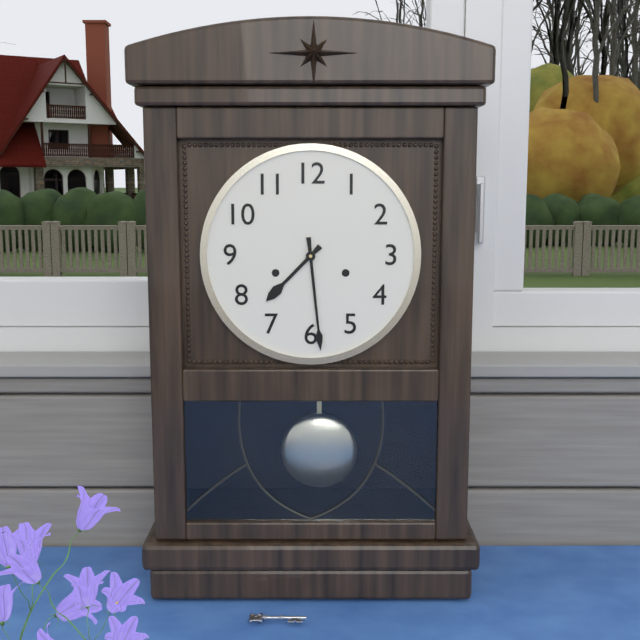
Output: 7h29
